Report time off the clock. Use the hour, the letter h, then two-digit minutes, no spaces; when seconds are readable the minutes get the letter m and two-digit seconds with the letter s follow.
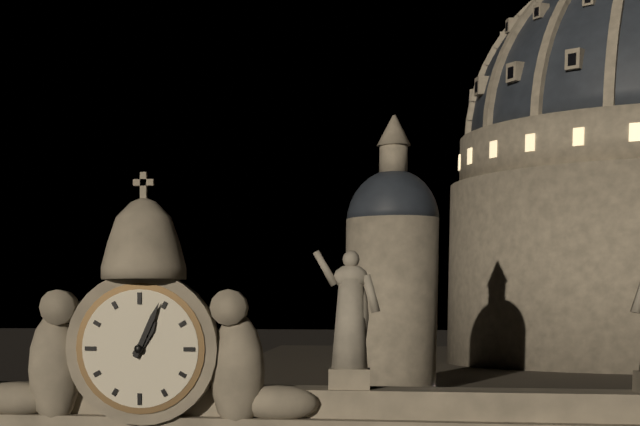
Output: 1h04
